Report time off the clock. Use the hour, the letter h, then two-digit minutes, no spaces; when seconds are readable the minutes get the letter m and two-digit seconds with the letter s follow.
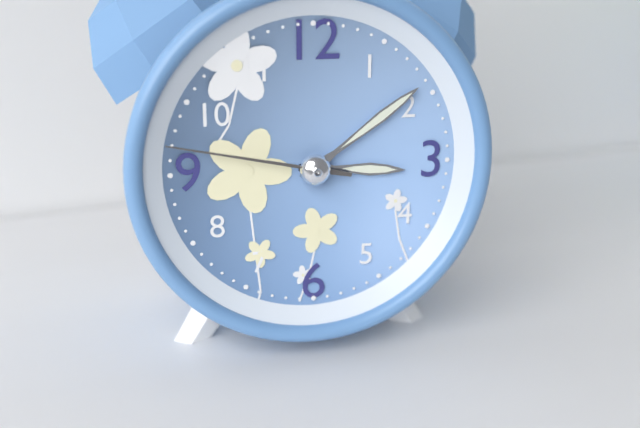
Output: 3h09m47s
